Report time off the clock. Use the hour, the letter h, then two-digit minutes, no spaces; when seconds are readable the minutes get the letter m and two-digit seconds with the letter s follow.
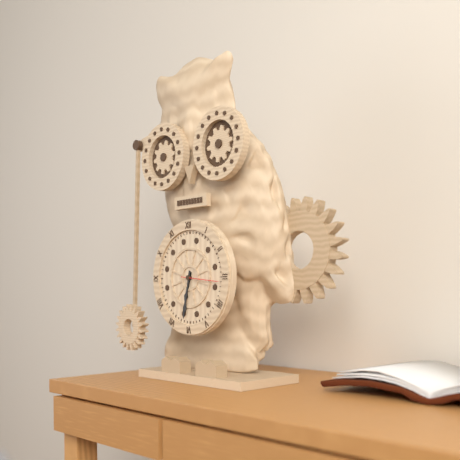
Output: 6h32
